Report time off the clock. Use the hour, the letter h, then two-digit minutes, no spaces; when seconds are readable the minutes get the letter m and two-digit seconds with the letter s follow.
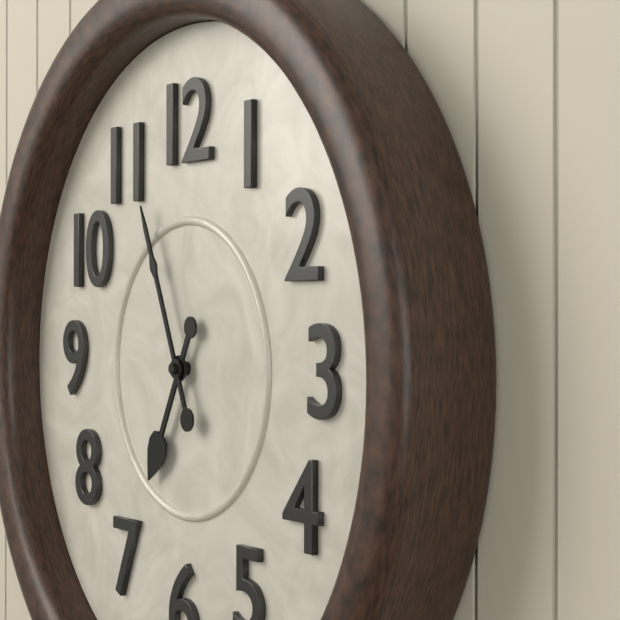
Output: 6h56
